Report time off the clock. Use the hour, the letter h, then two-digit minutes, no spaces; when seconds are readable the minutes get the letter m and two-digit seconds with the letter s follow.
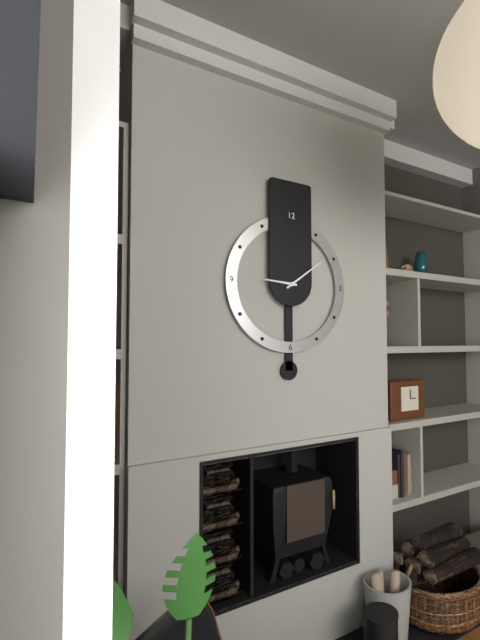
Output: 9h09
